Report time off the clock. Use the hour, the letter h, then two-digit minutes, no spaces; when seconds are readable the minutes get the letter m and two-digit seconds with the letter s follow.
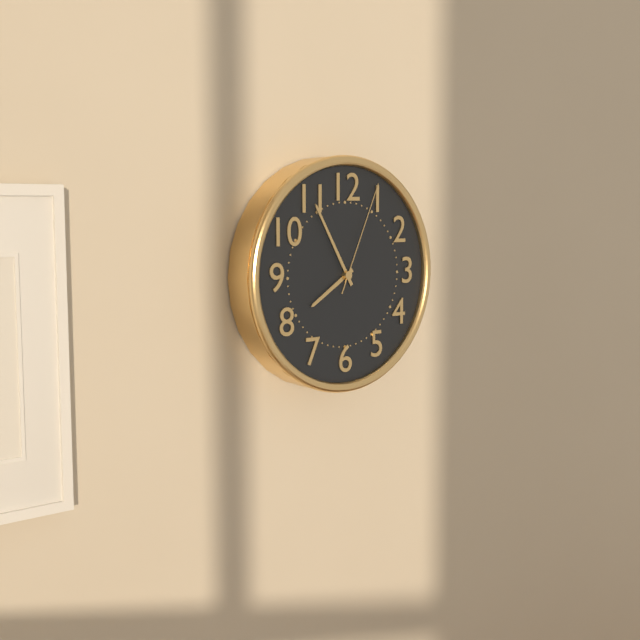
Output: 7h55m04s
